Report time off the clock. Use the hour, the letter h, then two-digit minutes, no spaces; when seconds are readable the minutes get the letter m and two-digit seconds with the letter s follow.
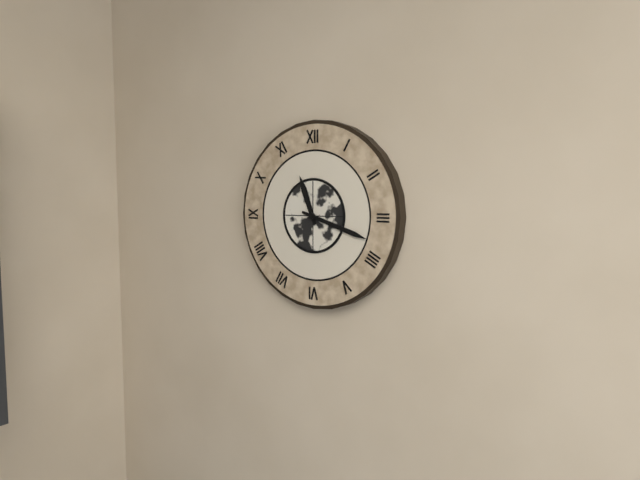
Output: 11h18
